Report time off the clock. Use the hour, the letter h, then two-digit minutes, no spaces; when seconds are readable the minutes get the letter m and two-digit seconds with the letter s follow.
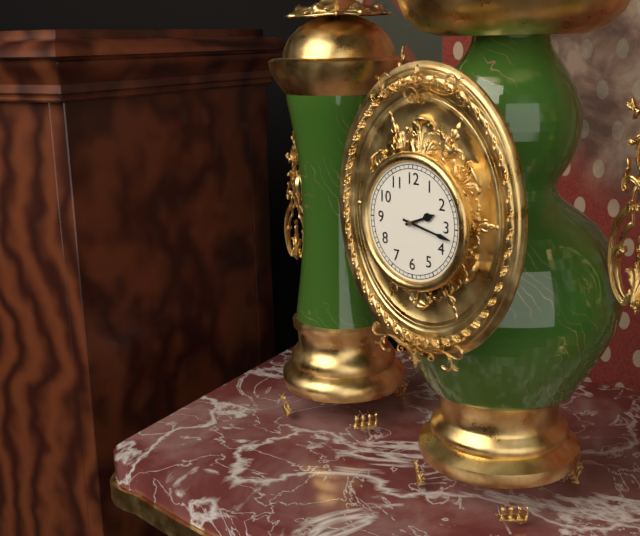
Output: 2h17
